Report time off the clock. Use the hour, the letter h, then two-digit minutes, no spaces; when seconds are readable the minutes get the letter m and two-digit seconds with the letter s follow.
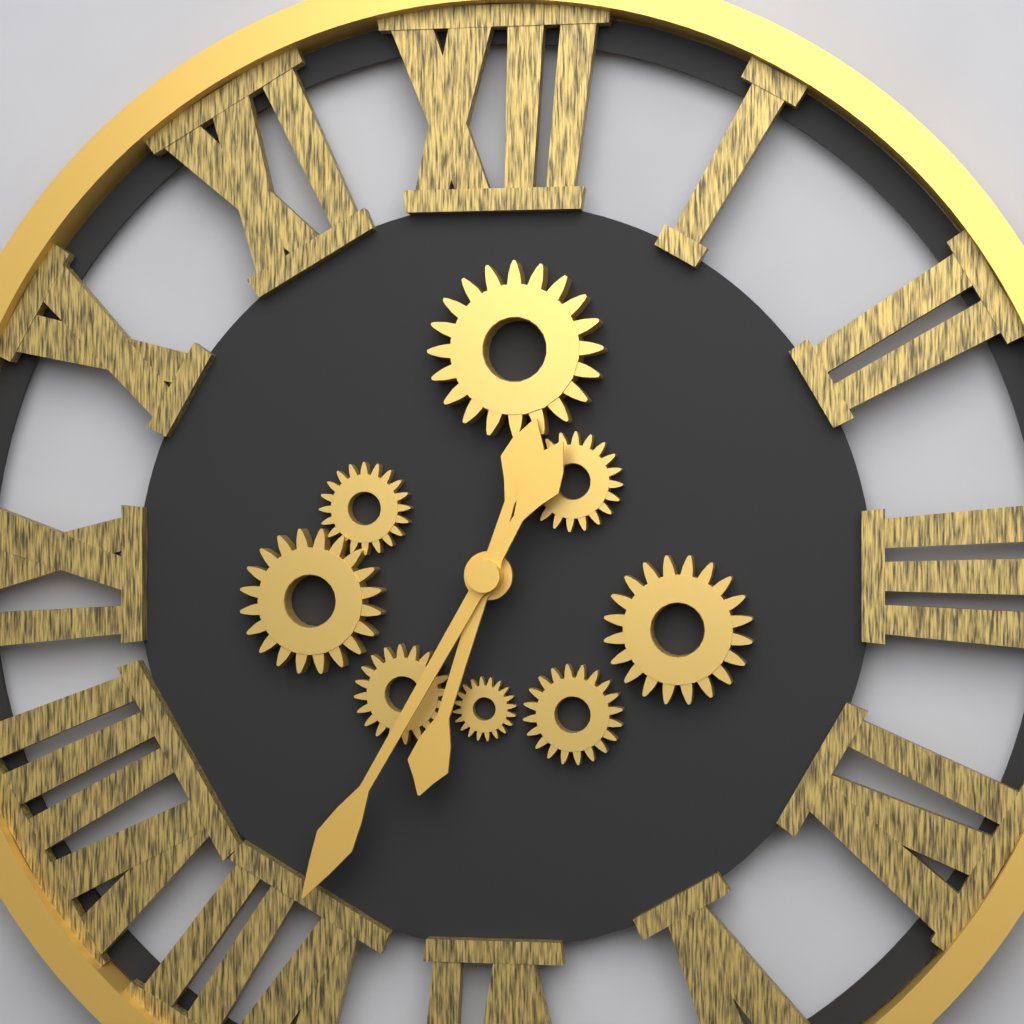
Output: 6h35
